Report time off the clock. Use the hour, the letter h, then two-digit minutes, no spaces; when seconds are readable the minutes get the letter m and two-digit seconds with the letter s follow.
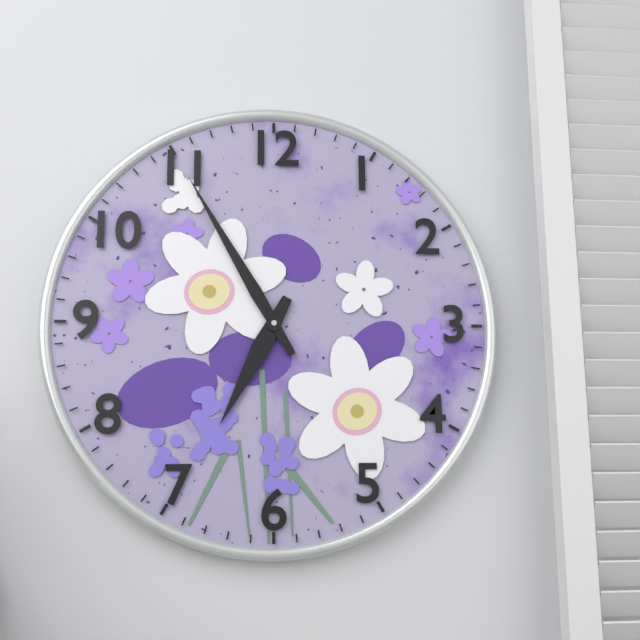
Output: 6h55
